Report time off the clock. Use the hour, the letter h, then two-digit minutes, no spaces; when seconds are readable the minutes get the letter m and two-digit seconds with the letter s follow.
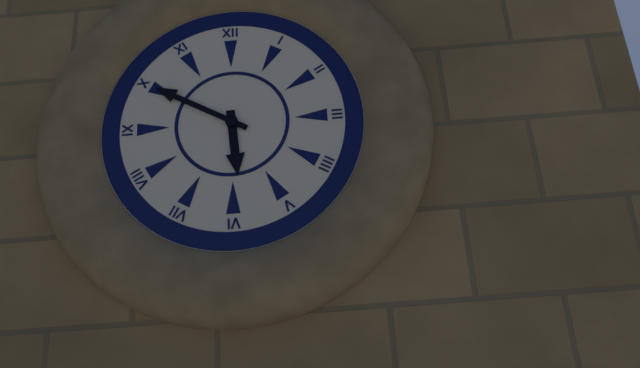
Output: 5h50
